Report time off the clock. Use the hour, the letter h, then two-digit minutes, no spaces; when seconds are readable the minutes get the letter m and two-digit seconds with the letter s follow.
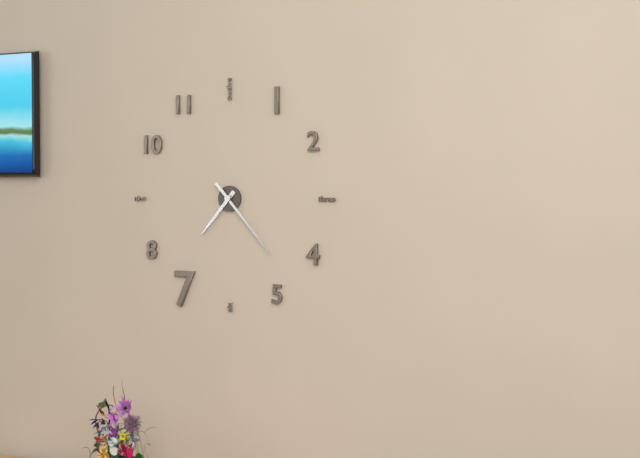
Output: 7h23
